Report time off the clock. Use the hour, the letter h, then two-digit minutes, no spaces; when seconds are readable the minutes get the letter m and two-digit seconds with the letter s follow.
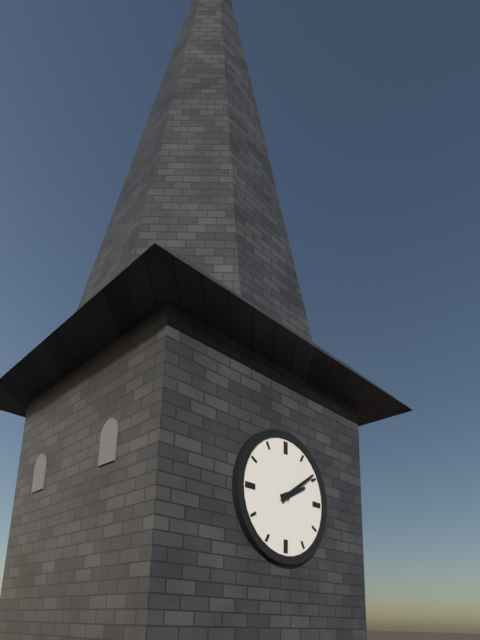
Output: 2h09
